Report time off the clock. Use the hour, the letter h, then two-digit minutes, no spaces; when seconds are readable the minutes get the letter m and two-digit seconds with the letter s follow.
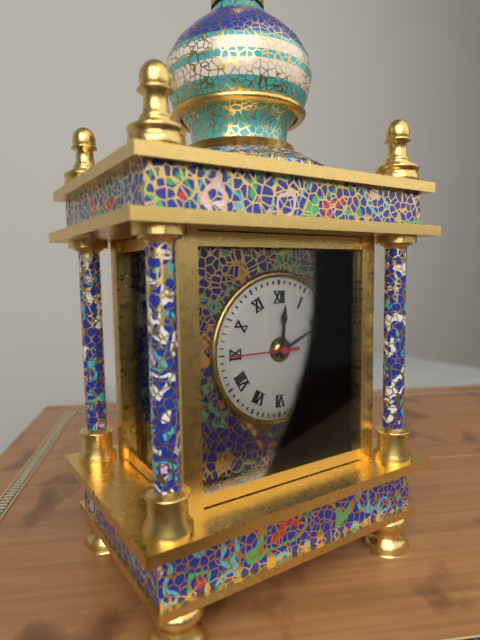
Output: 12h11m45s
